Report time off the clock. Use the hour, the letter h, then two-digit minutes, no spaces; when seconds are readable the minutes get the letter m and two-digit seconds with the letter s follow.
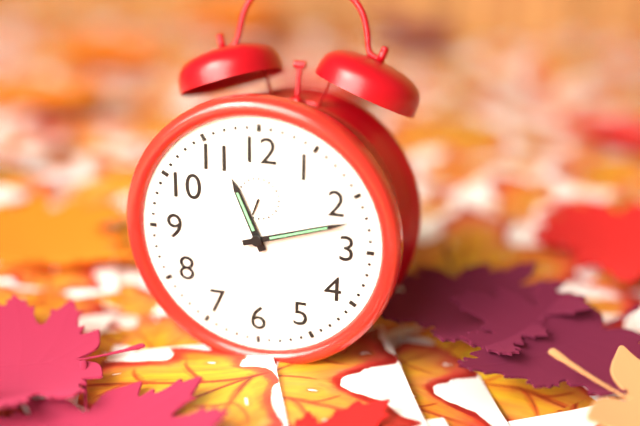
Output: 11h12
